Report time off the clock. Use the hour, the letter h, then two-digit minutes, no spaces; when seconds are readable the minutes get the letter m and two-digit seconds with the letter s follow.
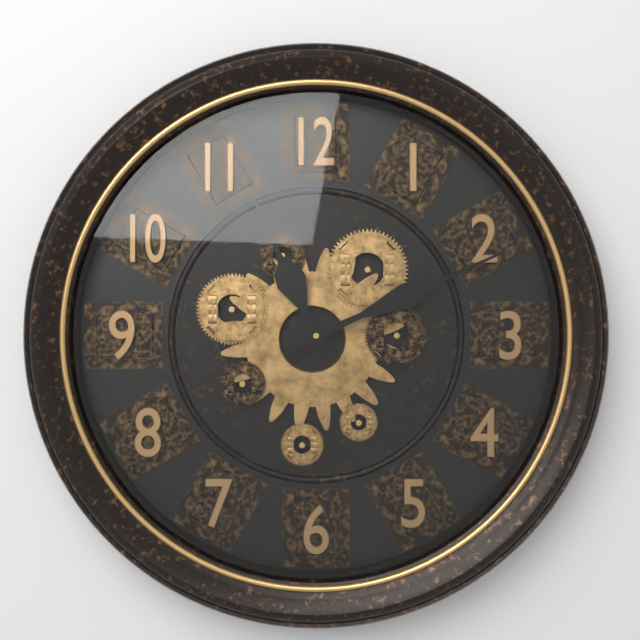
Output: 11h11
